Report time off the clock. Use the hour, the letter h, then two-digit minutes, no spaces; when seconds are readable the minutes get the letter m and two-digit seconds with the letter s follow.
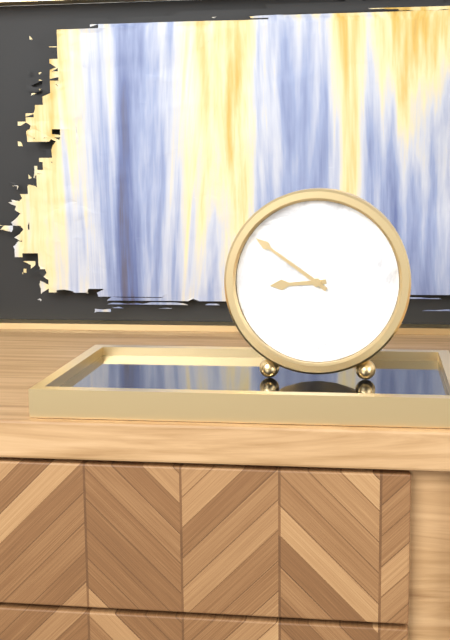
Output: 8h51
